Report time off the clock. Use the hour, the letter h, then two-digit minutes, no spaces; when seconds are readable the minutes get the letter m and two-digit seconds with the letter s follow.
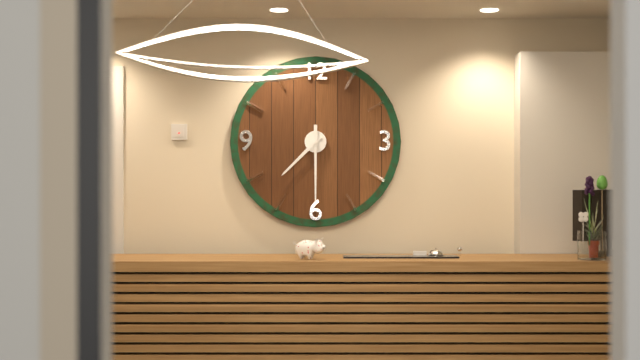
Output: 7h30
